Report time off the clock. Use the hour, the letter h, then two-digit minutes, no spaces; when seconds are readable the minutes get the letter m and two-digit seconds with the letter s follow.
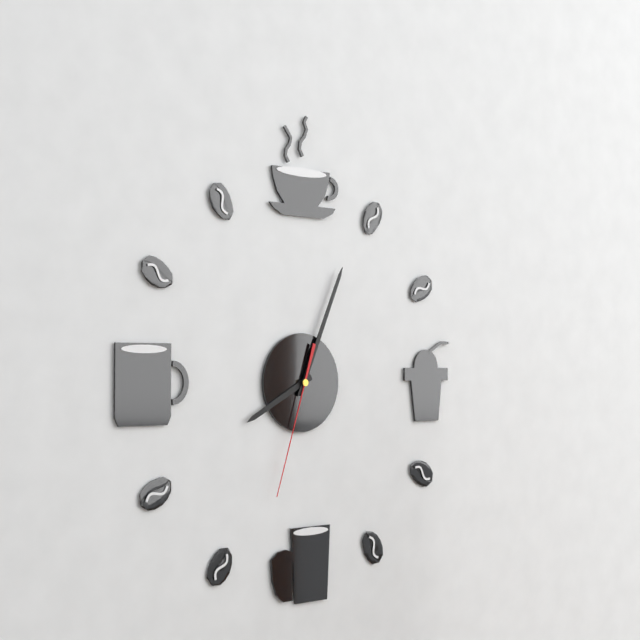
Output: 8h04m33s
